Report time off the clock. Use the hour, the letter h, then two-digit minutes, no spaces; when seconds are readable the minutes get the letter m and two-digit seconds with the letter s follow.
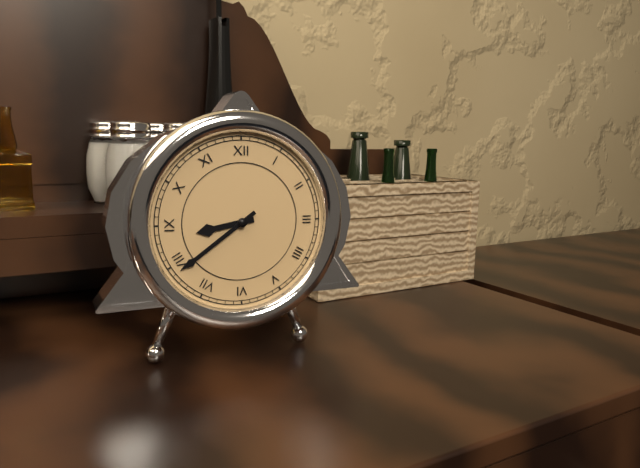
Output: 8h39
